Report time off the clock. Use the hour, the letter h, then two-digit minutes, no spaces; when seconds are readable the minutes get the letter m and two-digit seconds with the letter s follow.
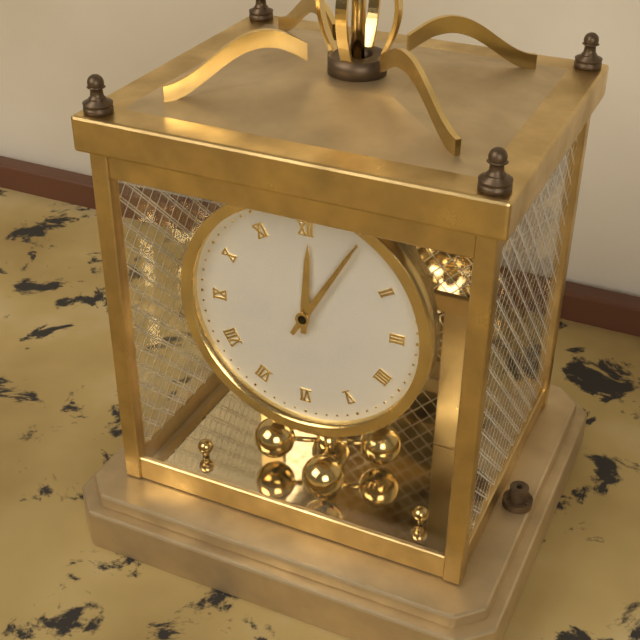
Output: 12h05
